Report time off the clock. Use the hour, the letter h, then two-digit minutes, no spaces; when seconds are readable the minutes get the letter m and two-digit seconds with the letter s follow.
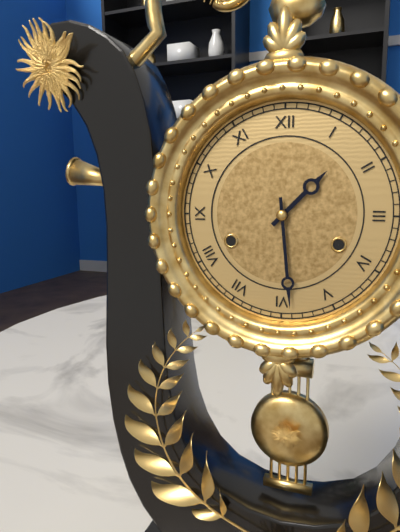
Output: 1h29
